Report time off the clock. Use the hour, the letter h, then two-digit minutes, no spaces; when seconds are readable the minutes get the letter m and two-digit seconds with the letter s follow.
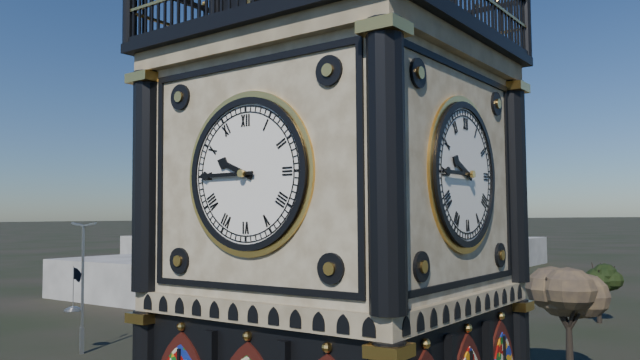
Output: 9h45
